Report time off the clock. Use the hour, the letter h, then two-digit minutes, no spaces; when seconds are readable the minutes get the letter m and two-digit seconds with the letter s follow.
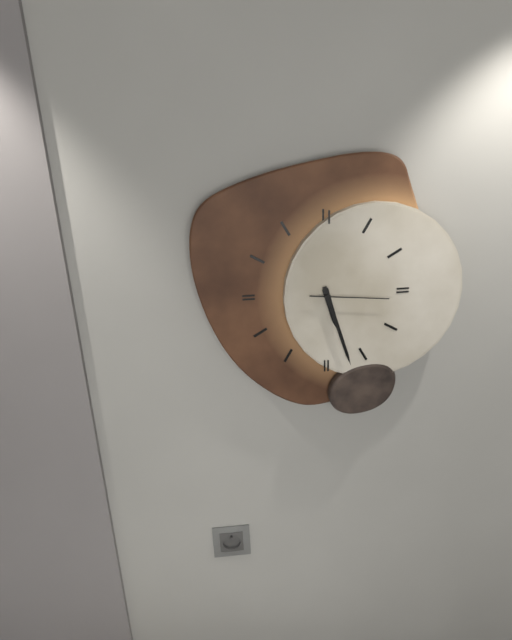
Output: 5h27m16s
